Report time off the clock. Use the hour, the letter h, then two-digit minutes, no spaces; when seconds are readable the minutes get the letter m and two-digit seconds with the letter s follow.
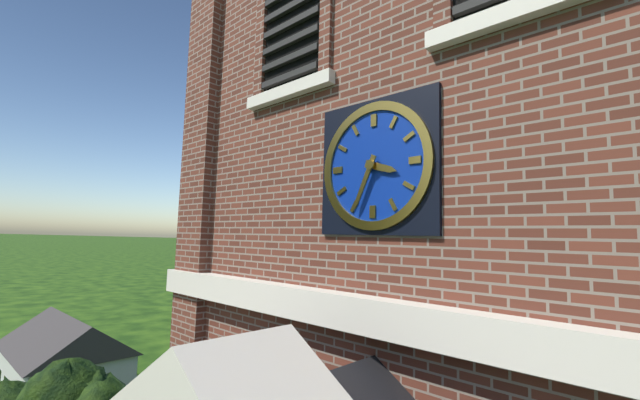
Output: 3h34
